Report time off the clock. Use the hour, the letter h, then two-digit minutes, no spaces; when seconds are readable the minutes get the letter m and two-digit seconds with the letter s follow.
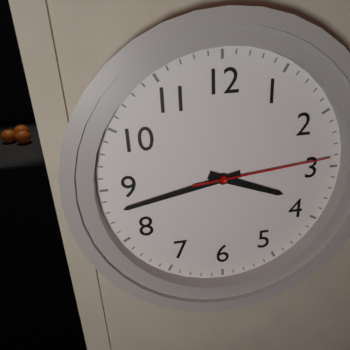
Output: 3h43m14s
